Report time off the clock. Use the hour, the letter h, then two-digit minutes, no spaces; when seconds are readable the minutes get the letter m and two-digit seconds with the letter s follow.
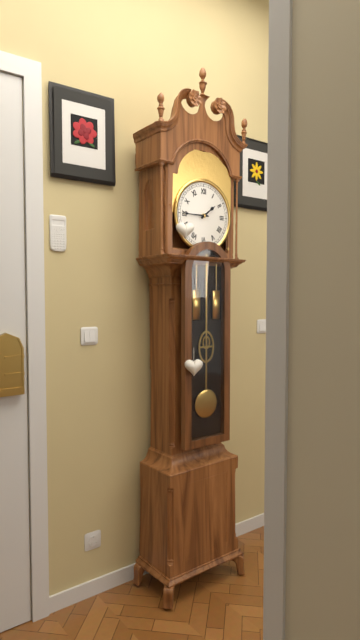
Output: 1h45
